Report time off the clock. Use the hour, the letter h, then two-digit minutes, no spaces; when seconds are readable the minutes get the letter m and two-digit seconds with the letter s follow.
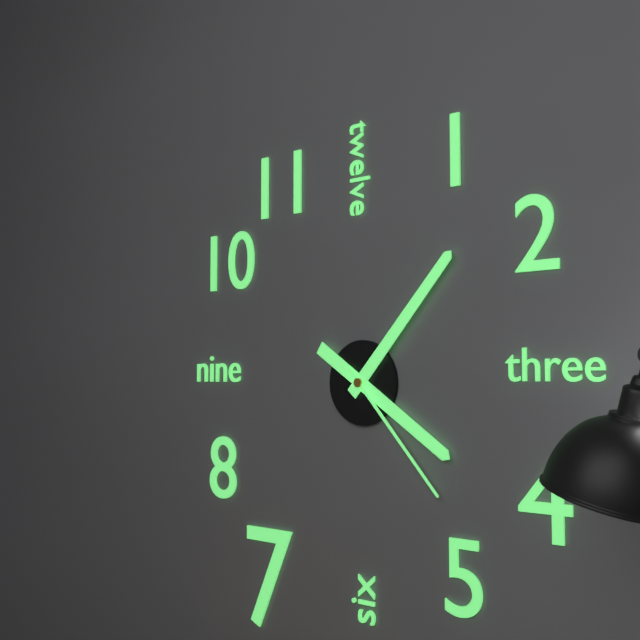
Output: 4h07m23s
